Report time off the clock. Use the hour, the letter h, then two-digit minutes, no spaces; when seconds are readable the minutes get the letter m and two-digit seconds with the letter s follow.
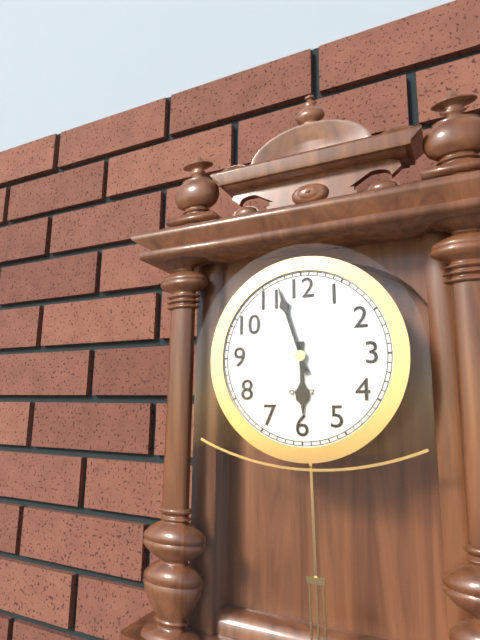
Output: 5h57
